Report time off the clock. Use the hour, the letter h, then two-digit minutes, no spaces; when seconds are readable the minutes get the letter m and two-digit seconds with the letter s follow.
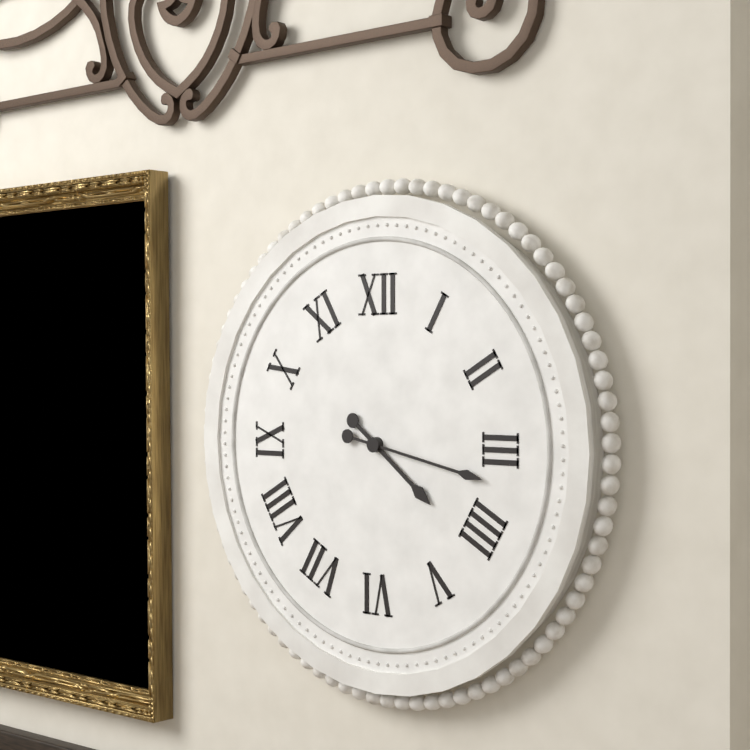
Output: 4h17
